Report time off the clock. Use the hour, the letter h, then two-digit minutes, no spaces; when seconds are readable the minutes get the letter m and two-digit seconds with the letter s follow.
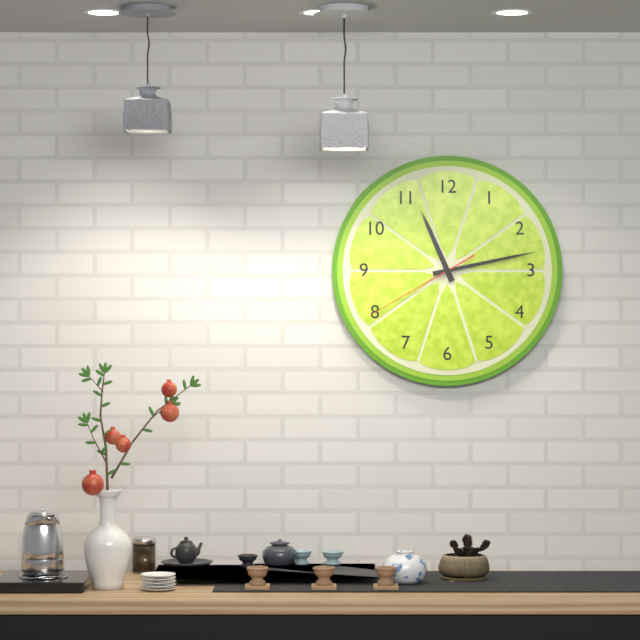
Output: 11h13m40s
